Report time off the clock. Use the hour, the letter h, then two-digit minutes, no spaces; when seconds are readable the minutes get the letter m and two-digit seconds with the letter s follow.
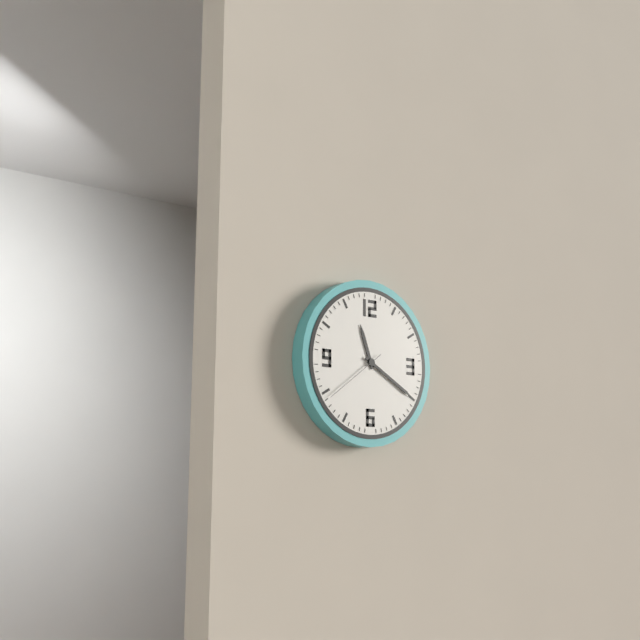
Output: 11h20m39s
